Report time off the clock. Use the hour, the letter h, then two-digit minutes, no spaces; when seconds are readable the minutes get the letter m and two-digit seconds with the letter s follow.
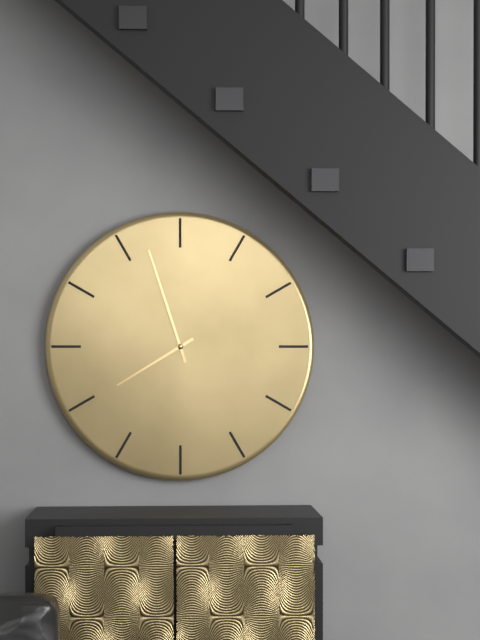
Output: 7h57
